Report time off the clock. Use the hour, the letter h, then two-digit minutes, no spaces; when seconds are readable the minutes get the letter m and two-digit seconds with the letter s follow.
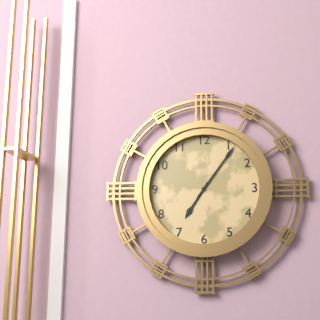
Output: 7h06
